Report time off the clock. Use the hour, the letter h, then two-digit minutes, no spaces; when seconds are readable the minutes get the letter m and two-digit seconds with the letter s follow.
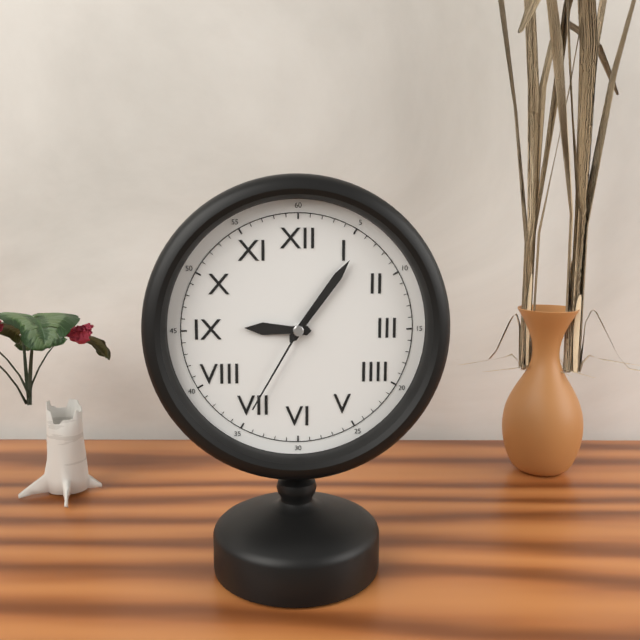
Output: 9h06m35s
